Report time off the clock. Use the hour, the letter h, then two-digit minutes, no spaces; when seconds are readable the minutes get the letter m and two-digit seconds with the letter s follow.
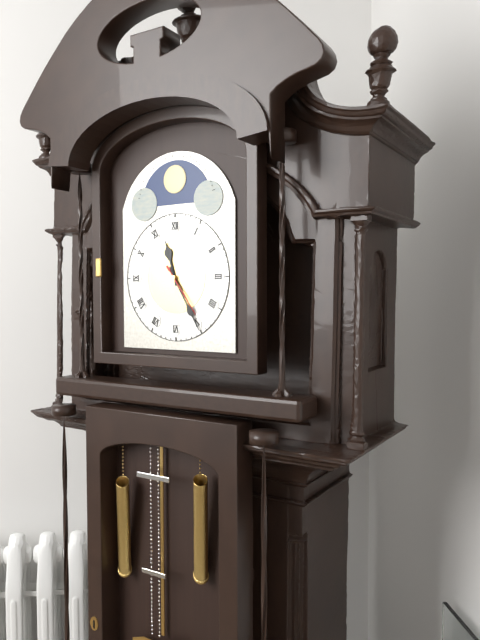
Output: 11h25m24s
